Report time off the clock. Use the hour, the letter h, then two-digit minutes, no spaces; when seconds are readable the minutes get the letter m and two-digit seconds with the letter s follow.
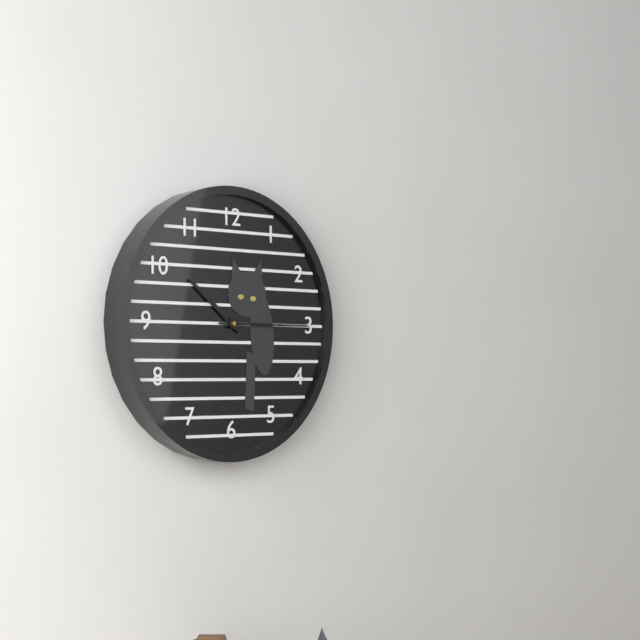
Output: 10h15
